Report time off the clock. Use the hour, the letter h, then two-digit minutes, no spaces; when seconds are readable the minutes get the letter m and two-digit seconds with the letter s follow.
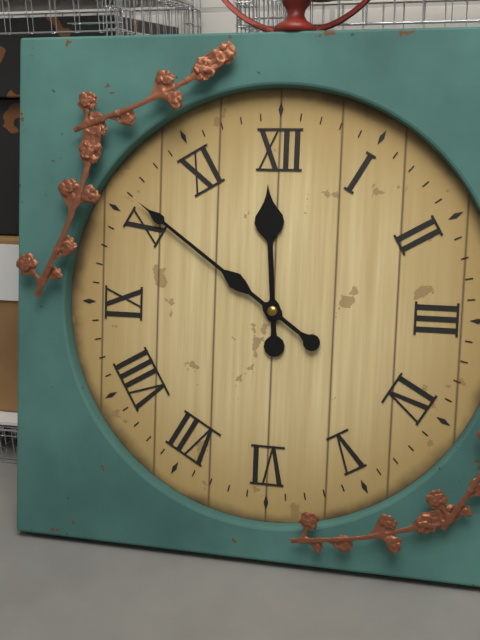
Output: 11h51
